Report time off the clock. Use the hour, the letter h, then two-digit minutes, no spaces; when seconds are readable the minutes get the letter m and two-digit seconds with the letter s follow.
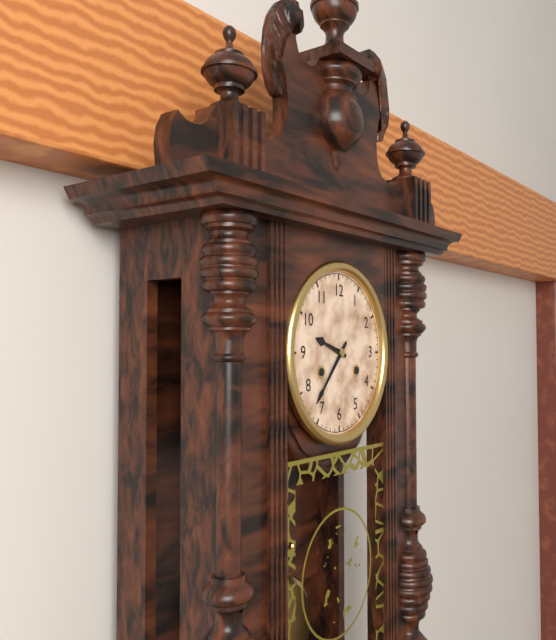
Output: 9h37
